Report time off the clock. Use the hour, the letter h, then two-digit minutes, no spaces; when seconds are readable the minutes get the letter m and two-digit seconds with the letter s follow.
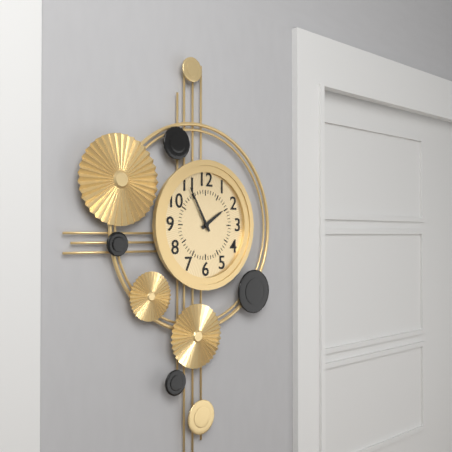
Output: 1h55
